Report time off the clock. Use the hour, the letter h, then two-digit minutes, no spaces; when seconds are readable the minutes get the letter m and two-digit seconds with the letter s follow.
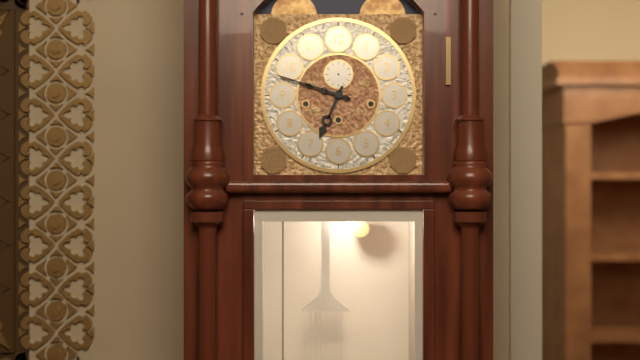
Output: 6h48
